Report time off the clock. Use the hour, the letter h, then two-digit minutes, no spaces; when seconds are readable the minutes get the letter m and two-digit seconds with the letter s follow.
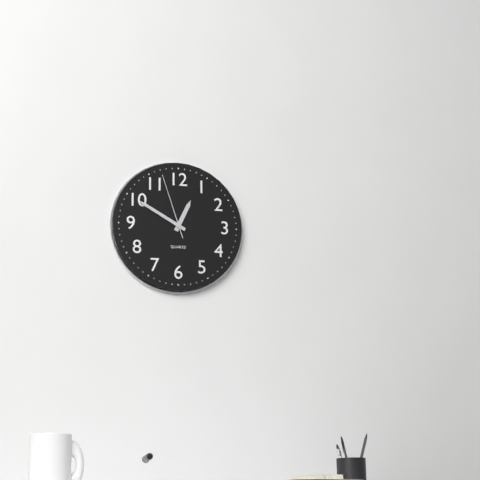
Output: 12h50m57s
